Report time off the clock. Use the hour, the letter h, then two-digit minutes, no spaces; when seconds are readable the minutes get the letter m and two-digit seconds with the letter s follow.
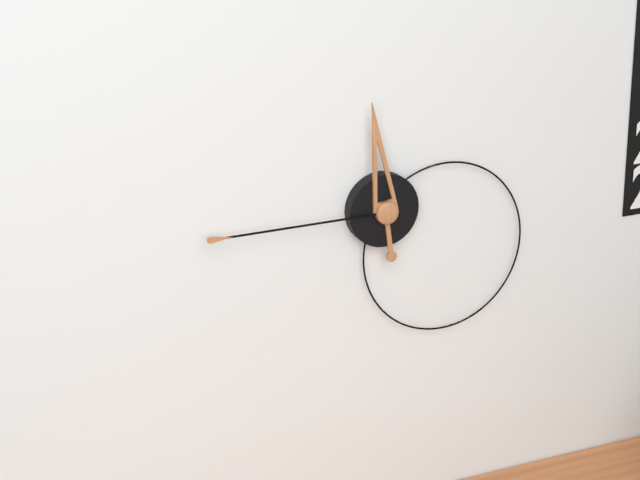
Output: 11h45
